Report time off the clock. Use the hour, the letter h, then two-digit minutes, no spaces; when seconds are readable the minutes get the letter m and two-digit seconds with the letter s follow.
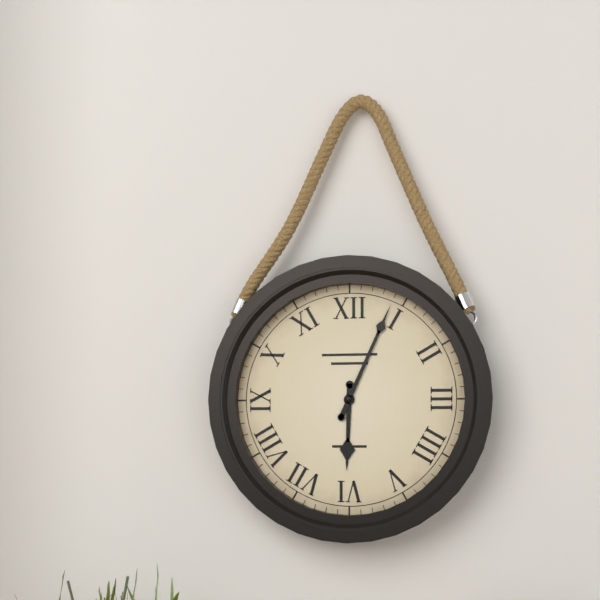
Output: 6h04
